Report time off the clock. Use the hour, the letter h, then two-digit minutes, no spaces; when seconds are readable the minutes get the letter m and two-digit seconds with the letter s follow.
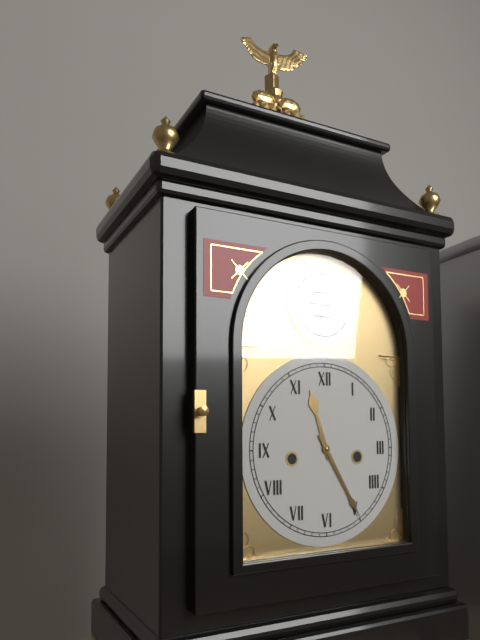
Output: 11h25
